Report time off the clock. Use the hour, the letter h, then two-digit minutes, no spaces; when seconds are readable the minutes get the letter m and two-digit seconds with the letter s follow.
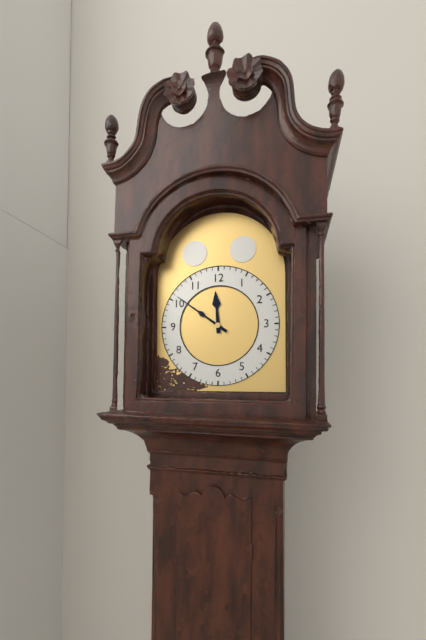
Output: 11h51
